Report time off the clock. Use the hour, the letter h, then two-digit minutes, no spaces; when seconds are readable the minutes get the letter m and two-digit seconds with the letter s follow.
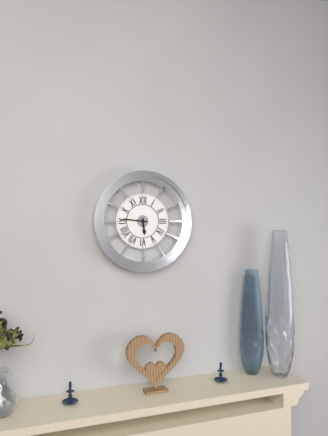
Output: 5h46
